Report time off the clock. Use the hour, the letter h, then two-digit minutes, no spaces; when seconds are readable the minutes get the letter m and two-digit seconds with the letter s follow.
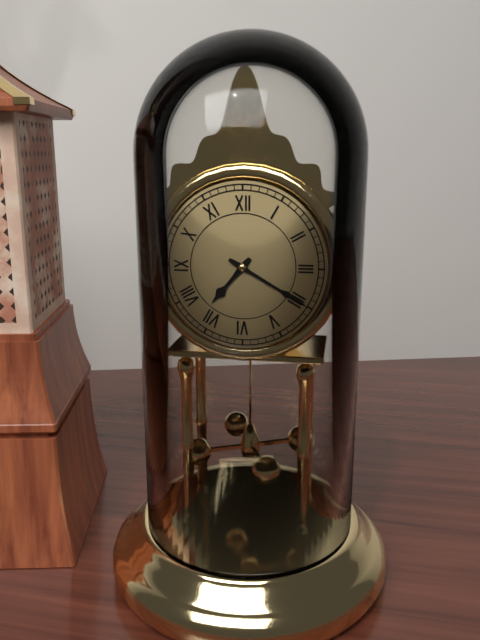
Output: 7h20
